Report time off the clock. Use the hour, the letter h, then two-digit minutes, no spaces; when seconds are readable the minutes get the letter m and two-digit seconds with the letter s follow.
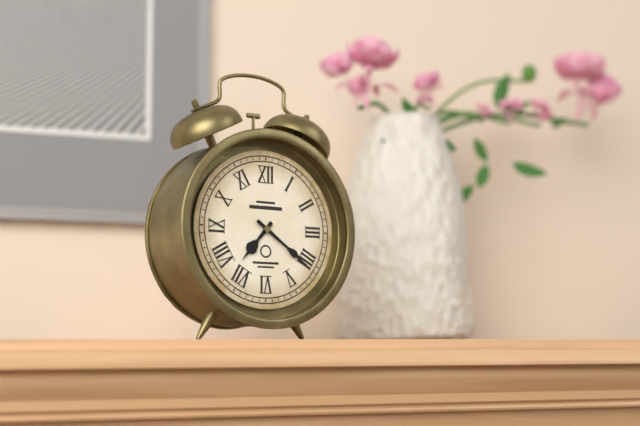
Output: 7h21
